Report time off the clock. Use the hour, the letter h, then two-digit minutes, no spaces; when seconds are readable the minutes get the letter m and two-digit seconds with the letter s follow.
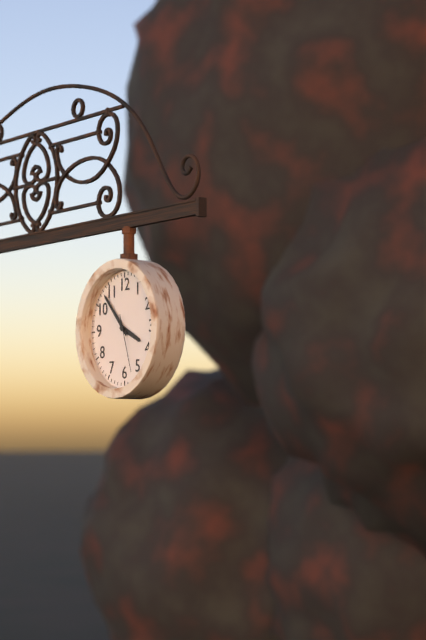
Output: 3h53m27s
